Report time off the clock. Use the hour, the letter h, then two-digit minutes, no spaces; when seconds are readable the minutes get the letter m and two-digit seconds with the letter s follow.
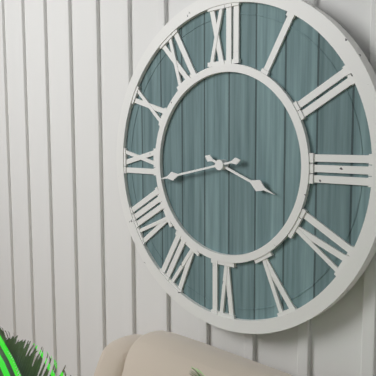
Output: 3h43
